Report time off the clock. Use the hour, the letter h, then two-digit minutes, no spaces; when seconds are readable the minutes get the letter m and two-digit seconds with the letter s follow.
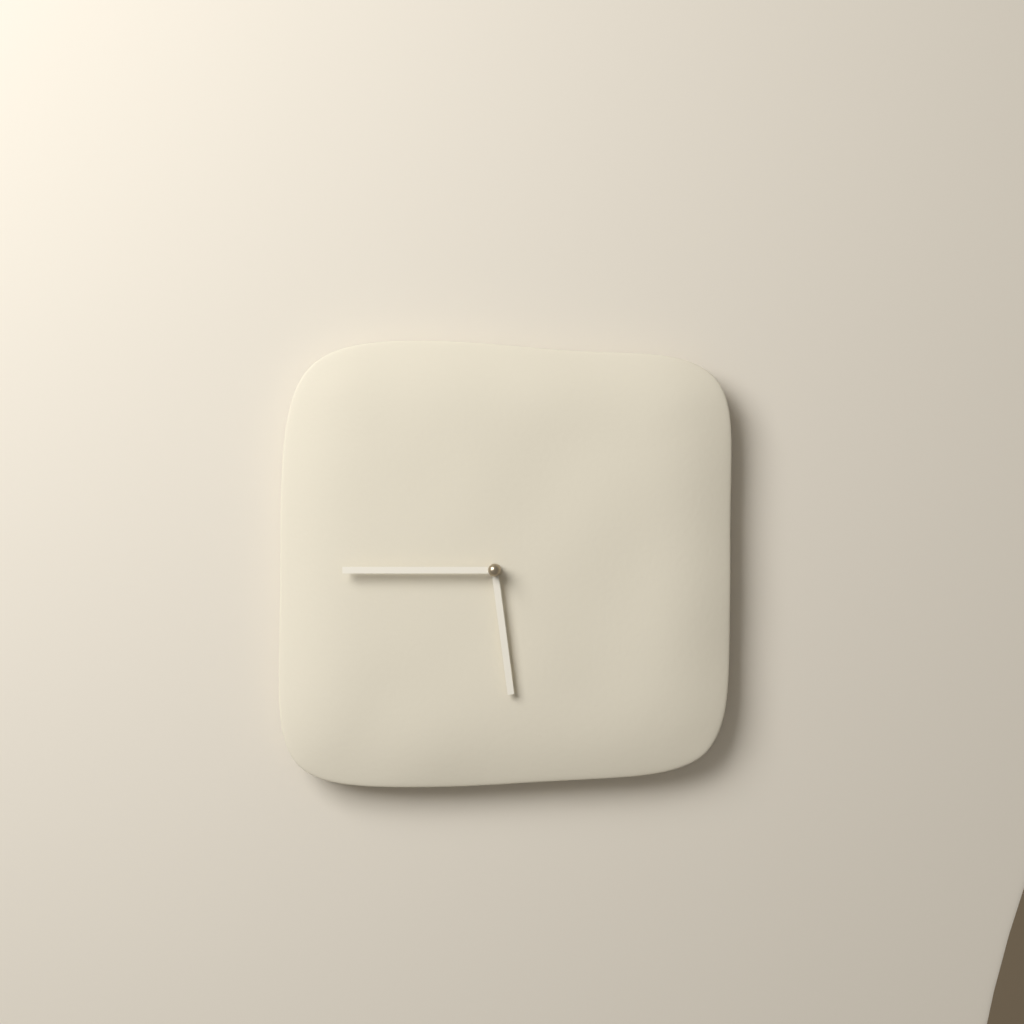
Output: 5h45
